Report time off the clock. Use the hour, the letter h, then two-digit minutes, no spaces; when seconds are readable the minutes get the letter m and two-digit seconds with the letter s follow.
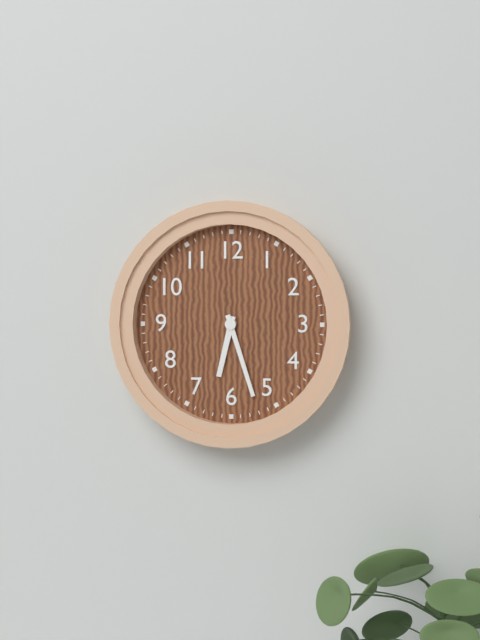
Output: 6h27
